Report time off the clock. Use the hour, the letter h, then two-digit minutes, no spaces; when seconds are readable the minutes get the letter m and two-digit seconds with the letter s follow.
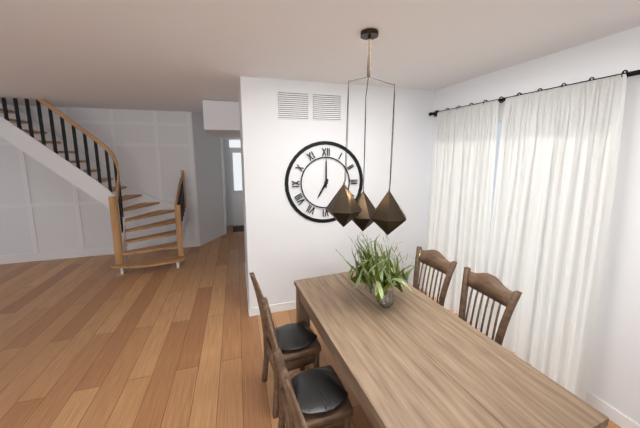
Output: 7h00
